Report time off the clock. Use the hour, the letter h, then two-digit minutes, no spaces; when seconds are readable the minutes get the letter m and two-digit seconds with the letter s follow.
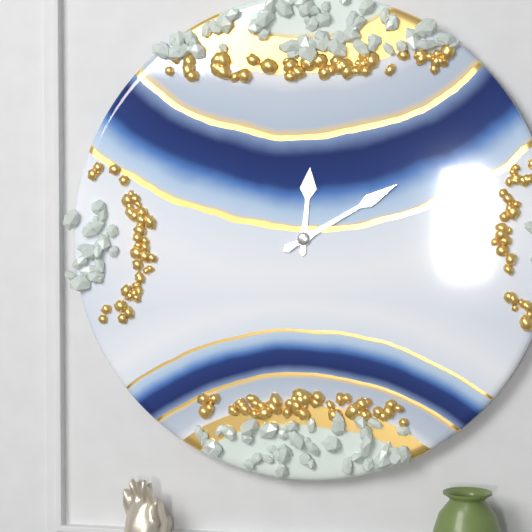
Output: 12h10
